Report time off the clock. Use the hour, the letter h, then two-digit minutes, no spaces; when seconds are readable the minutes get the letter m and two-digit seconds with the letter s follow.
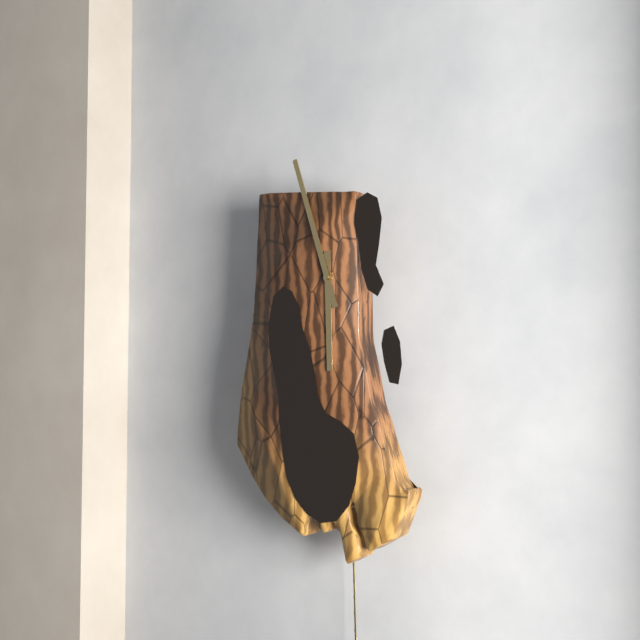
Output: 5h57
